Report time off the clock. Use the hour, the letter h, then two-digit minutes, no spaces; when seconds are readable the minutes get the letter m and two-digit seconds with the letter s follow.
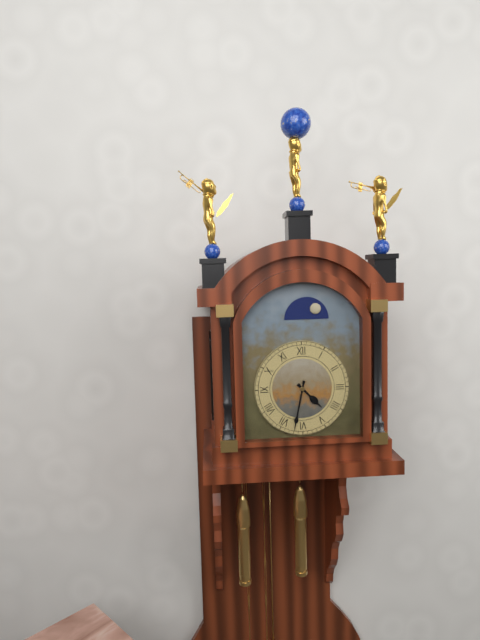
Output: 4h32
